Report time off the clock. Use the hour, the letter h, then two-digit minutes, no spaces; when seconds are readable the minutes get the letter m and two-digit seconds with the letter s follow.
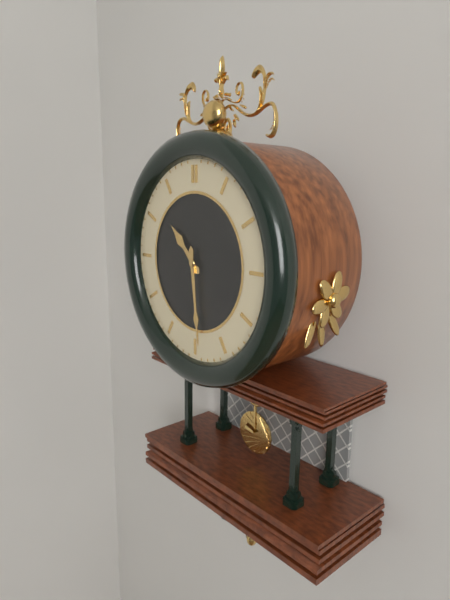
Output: 10h29
